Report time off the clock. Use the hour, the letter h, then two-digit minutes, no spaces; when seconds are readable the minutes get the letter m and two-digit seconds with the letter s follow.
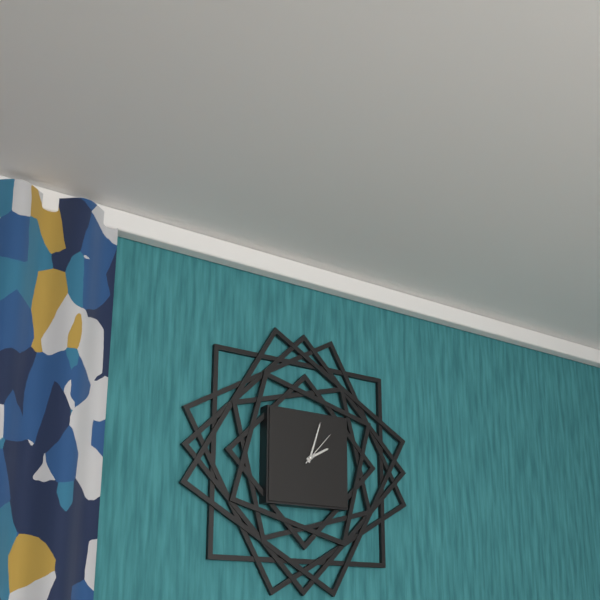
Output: 2h03
